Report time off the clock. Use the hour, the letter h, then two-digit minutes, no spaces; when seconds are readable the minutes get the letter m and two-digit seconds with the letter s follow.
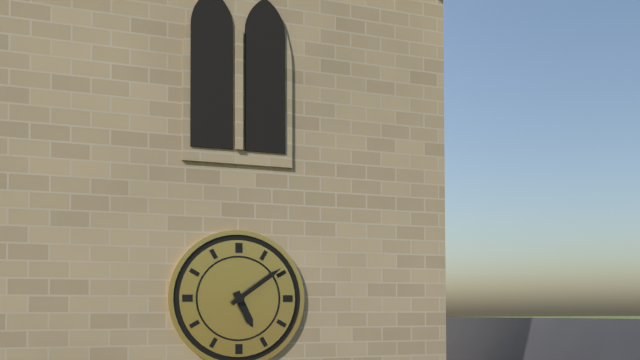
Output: 5h09
